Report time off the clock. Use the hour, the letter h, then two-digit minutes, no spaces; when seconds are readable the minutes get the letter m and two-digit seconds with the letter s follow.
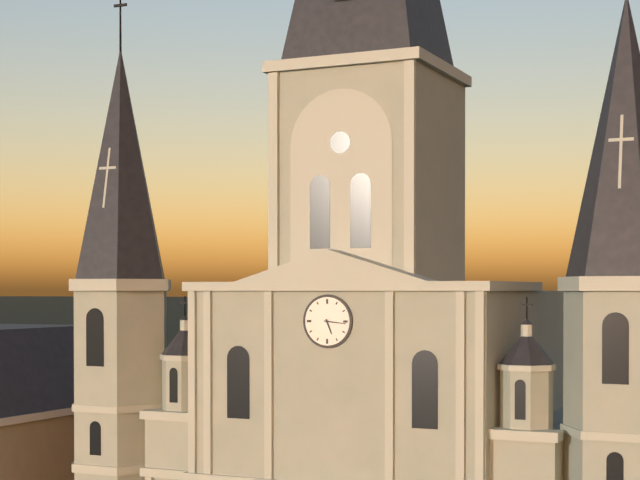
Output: 5h16
